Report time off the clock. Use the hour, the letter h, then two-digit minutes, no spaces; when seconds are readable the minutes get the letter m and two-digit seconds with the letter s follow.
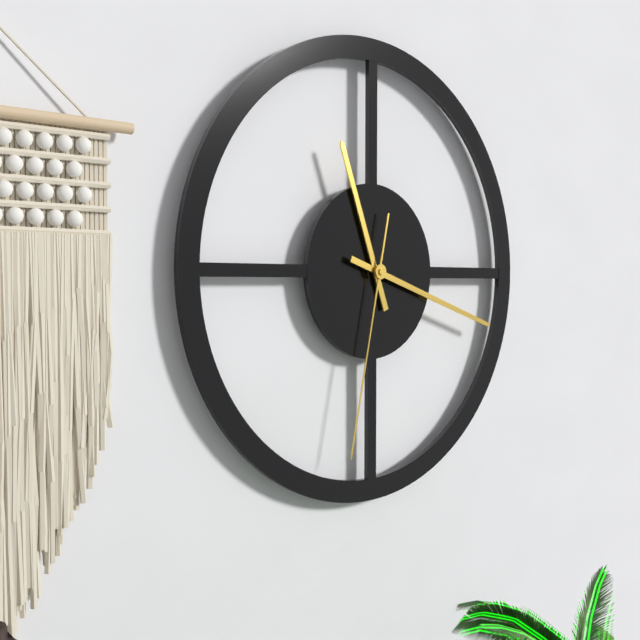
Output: 11h18m32s
